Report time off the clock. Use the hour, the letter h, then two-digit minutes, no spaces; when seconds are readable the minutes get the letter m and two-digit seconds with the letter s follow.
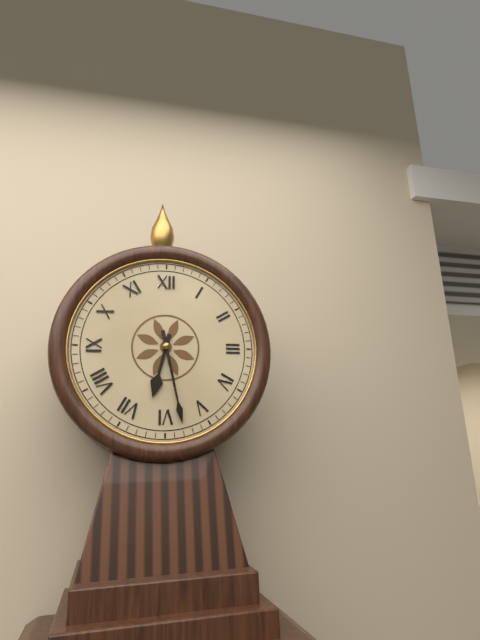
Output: 6h28
